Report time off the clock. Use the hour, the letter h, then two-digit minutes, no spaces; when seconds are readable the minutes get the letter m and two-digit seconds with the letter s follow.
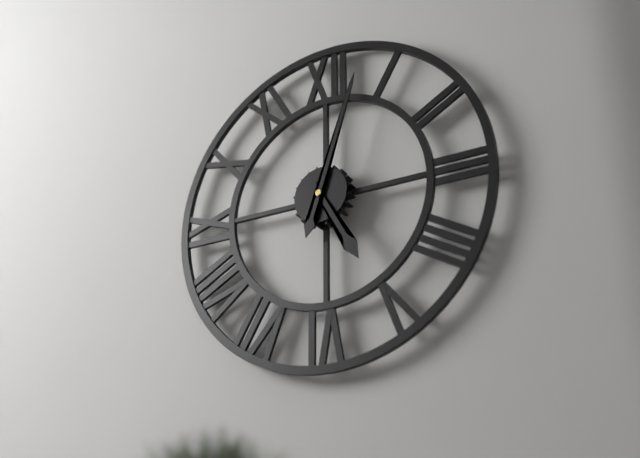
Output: 5h03
